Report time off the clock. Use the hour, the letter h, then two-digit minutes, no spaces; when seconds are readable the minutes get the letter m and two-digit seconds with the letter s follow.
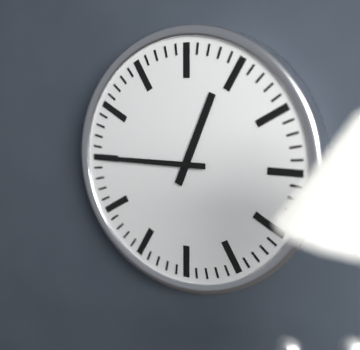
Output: 12h45
